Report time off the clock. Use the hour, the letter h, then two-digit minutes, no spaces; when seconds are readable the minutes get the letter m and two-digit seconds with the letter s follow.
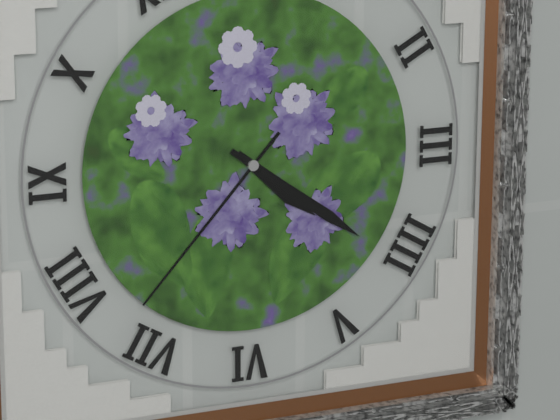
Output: 4h21m37s
